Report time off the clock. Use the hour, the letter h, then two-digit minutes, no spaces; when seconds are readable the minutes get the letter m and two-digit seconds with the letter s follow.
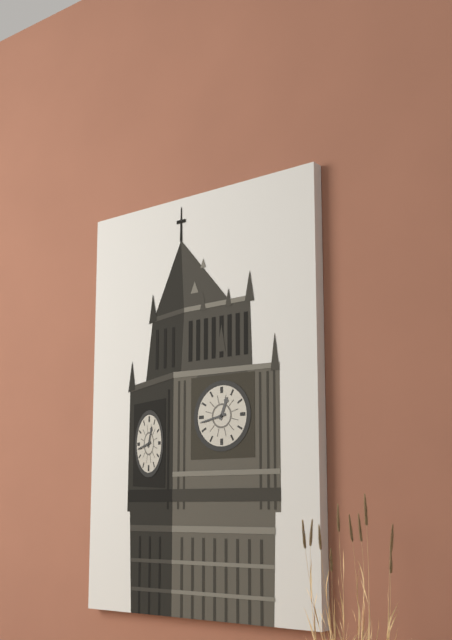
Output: 12h43
